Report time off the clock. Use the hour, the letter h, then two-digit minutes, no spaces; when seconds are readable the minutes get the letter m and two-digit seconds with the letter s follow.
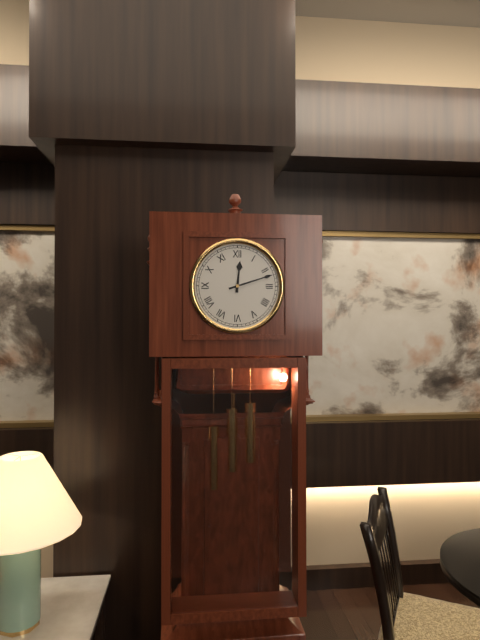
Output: 12h12
